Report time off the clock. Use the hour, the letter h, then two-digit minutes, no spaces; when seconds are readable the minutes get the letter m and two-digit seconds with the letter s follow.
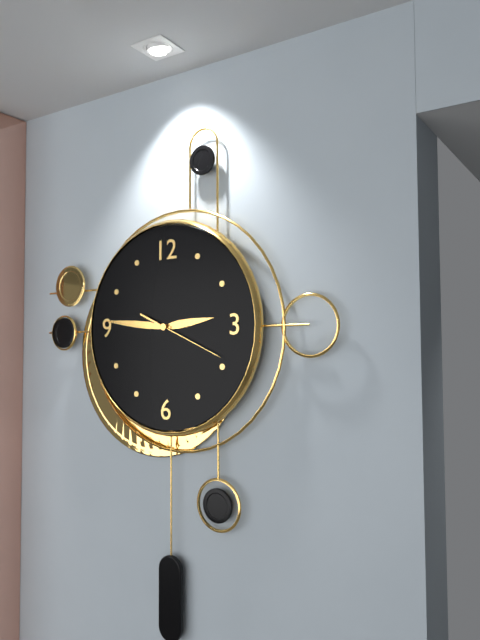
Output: 2h46m19s
